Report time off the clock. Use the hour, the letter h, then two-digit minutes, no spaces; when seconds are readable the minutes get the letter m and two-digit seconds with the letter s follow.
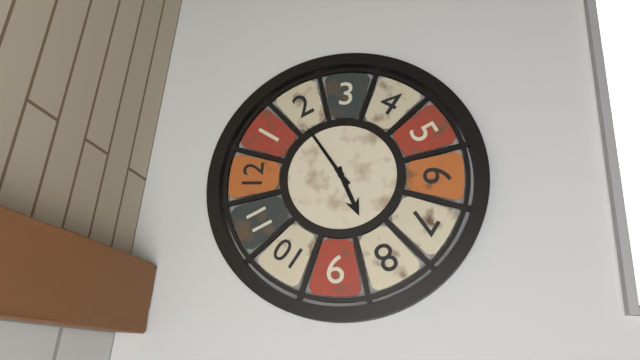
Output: 8h09
